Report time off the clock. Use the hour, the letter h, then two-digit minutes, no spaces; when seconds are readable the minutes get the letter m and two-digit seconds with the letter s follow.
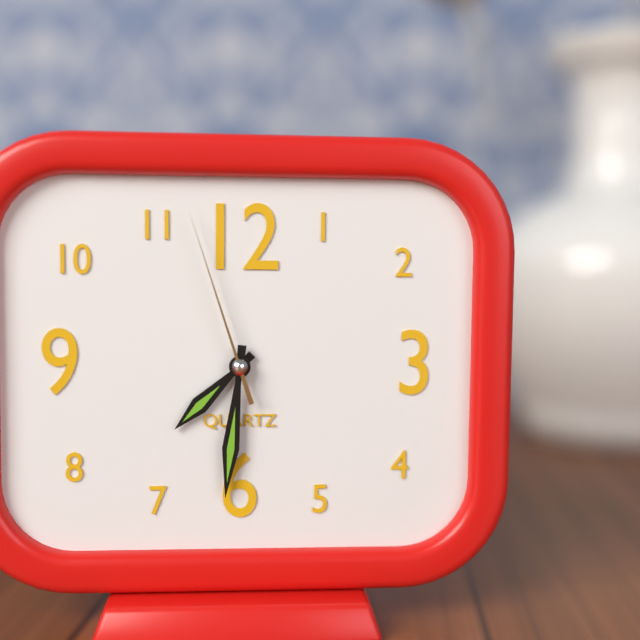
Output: 7h31m57s
